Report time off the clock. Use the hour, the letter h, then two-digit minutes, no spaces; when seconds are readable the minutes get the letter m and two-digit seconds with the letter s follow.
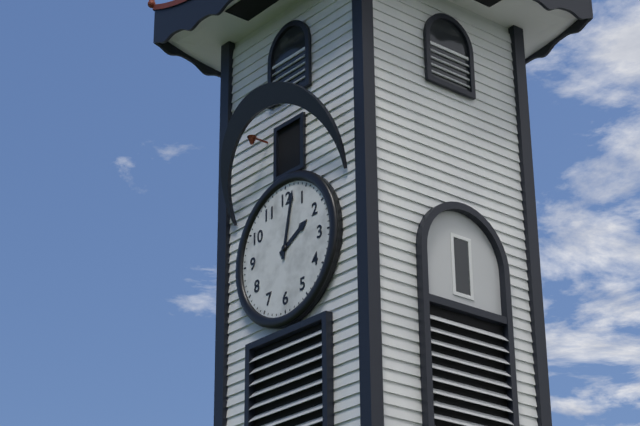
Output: 2h02
